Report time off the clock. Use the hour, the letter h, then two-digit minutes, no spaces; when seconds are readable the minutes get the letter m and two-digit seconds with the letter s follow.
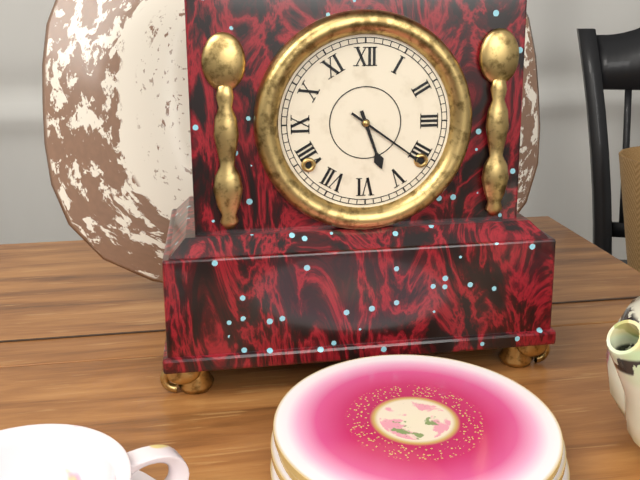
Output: 5h21
